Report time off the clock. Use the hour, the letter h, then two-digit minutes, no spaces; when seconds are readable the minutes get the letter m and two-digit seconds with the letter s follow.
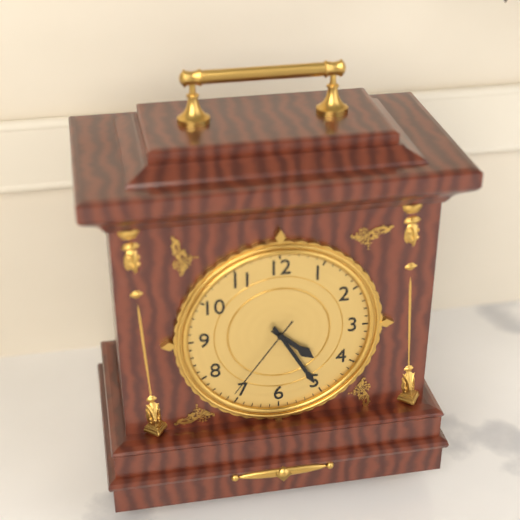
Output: 4h25m36s
